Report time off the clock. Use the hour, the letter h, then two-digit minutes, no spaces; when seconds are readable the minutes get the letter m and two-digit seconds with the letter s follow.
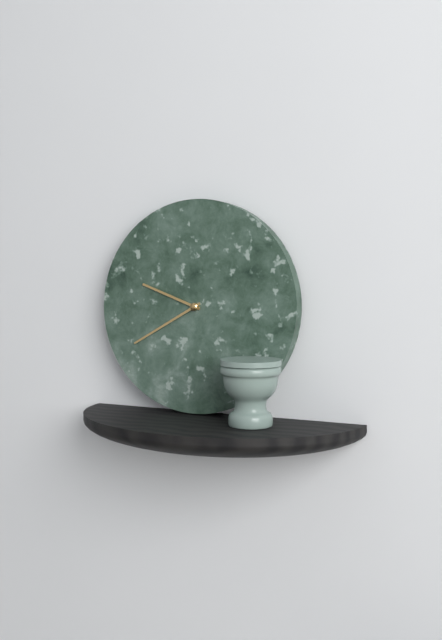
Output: 9h40
